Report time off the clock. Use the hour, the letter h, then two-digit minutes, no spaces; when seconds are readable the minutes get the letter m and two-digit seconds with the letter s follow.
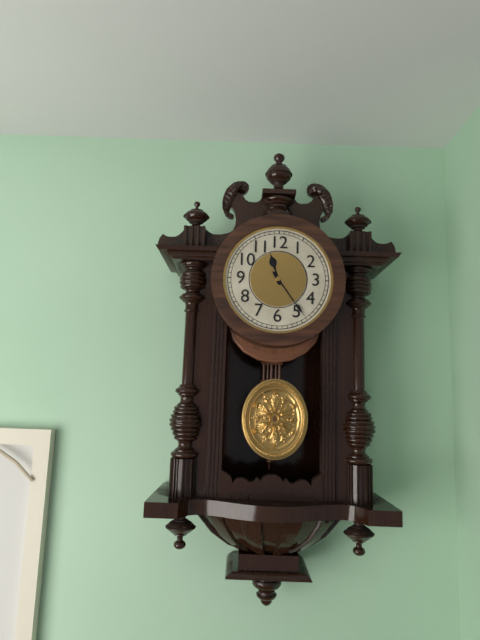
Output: 11h24
